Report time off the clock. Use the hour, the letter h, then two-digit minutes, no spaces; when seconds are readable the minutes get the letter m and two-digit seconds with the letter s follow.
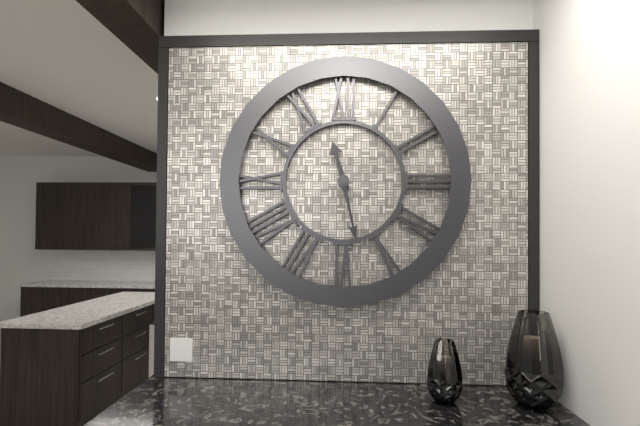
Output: 11h28
